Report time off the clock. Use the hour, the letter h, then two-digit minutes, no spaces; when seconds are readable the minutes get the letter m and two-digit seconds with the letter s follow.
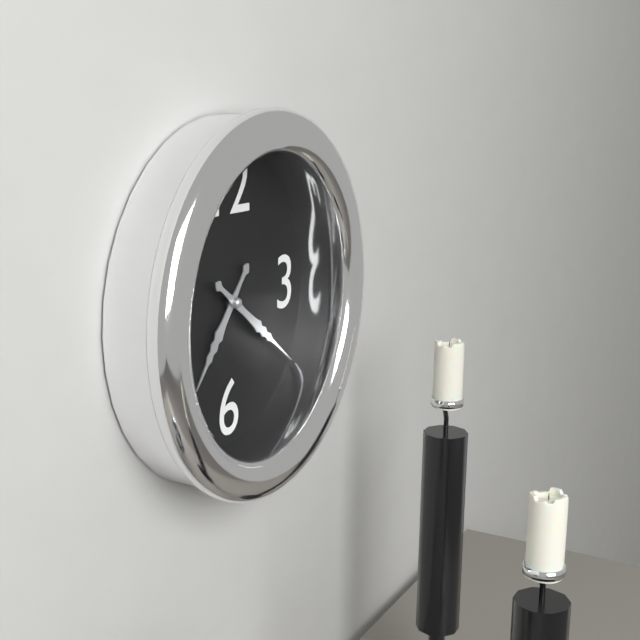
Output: 7h21
